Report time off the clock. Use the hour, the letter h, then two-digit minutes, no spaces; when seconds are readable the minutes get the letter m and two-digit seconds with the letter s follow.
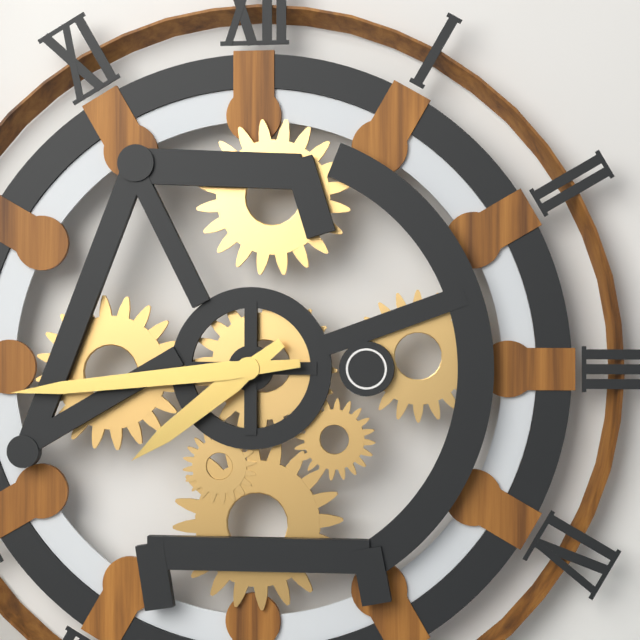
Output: 7h44
